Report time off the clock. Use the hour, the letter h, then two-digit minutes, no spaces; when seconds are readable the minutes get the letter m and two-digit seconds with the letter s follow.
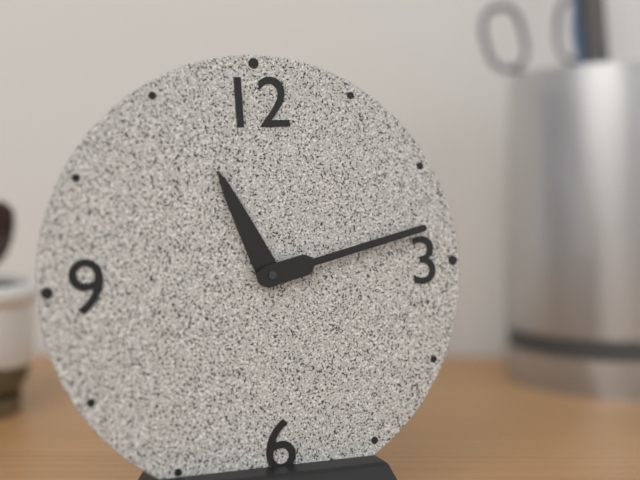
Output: 11h13
